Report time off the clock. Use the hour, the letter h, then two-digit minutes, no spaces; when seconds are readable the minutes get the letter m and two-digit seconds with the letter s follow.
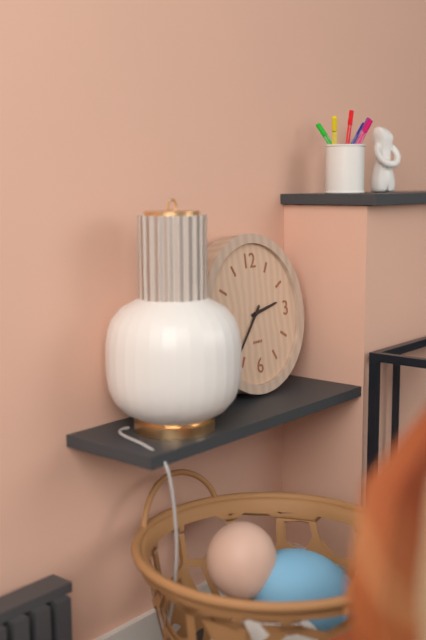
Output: 2h37
